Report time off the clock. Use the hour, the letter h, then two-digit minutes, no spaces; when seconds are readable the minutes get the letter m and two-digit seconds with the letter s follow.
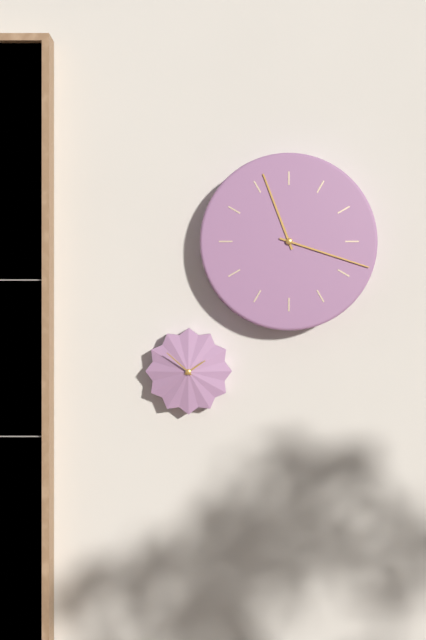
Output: 11h18
